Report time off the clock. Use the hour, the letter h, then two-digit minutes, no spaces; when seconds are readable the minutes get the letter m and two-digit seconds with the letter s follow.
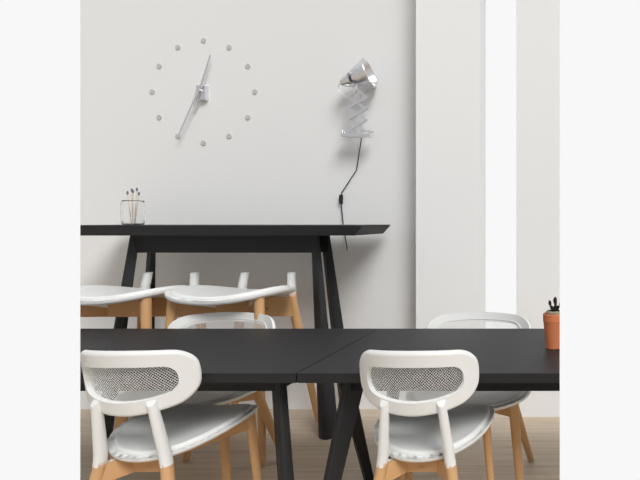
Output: 12h34
